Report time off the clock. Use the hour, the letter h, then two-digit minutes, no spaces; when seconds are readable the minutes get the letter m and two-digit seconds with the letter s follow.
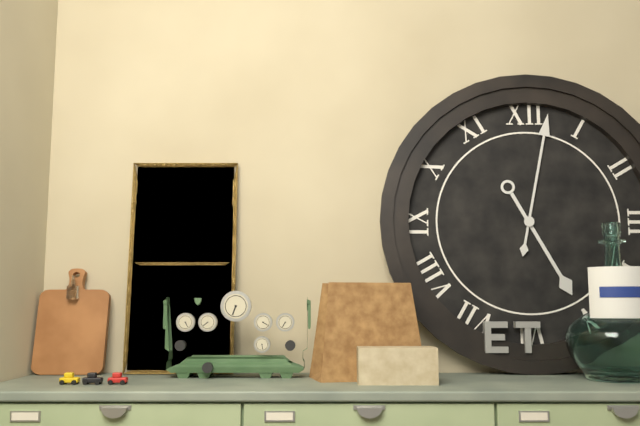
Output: 5h02
